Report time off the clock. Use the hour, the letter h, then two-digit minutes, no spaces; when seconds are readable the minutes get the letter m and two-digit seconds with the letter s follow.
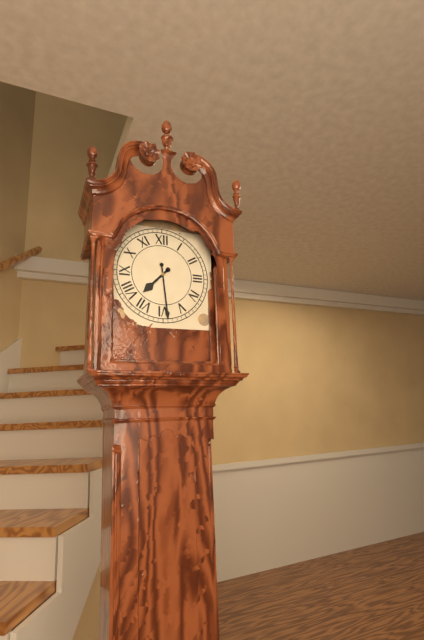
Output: 7h29
